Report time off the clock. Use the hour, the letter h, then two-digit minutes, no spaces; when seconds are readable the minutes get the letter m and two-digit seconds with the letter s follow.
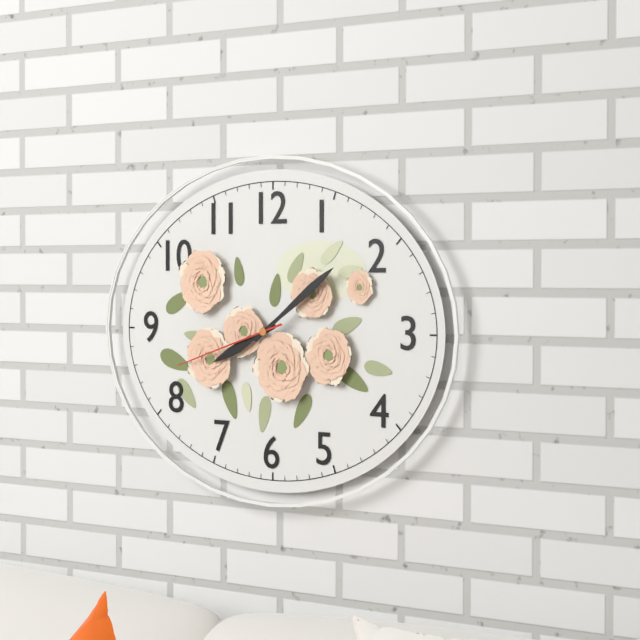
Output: 8h09m42s
